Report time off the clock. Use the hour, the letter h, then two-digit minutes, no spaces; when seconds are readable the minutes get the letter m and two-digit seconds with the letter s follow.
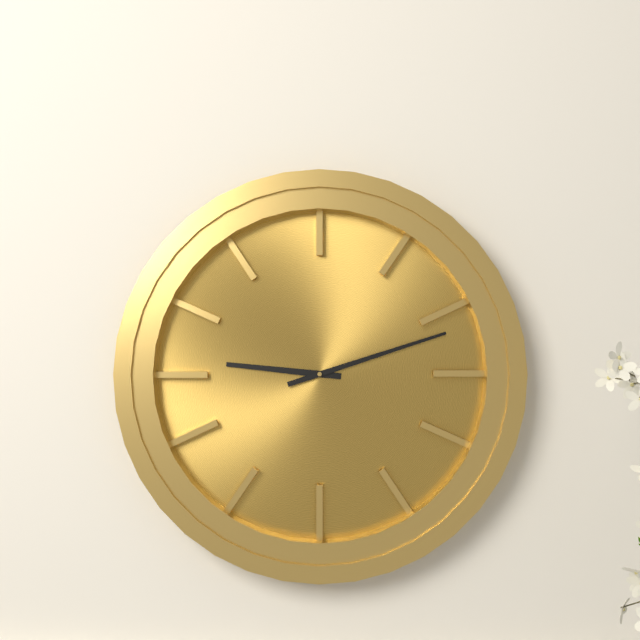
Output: 9h12
